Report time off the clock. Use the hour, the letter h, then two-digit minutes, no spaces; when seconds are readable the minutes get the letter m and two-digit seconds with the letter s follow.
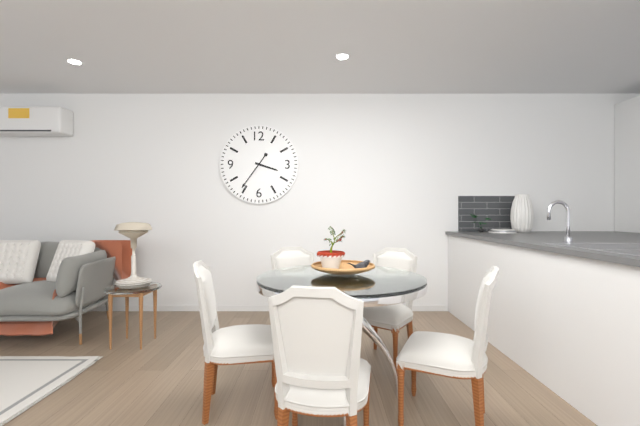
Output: 3h36
